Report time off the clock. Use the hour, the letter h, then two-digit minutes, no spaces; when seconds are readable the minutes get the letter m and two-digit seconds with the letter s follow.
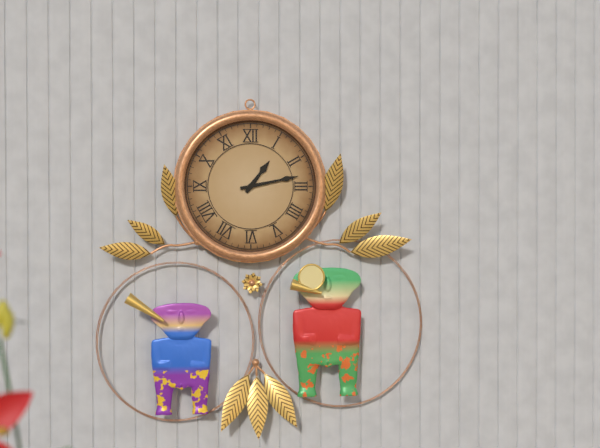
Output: 1h13
